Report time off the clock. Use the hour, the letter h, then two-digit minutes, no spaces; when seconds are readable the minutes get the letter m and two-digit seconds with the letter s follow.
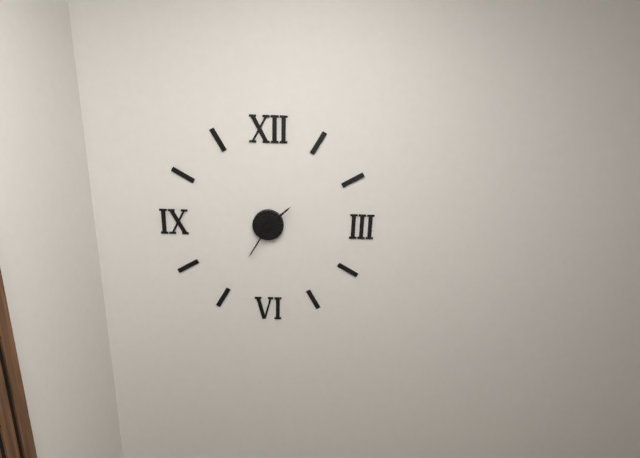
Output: 1h35
